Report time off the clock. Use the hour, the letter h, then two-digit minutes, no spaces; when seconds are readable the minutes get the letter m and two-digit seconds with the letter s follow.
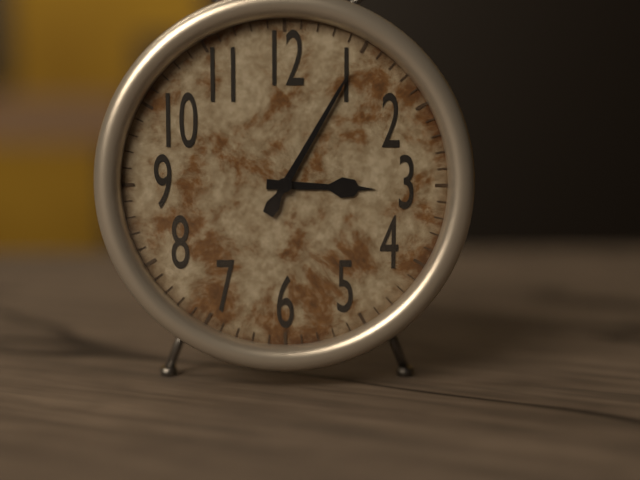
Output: 3h05
